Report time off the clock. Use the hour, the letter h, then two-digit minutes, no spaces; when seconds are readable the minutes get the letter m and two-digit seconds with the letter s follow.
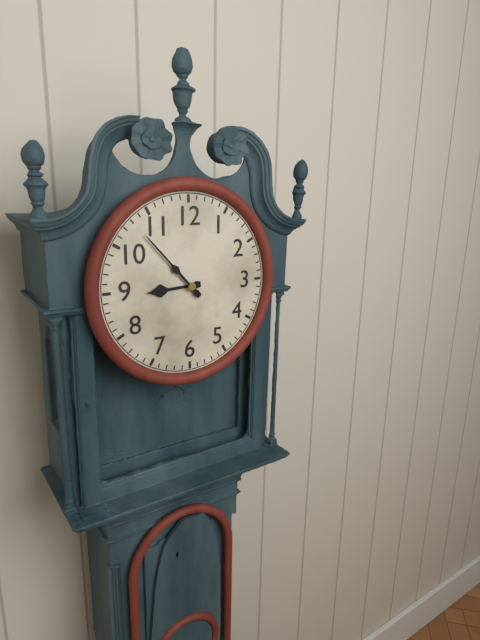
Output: 8h53
